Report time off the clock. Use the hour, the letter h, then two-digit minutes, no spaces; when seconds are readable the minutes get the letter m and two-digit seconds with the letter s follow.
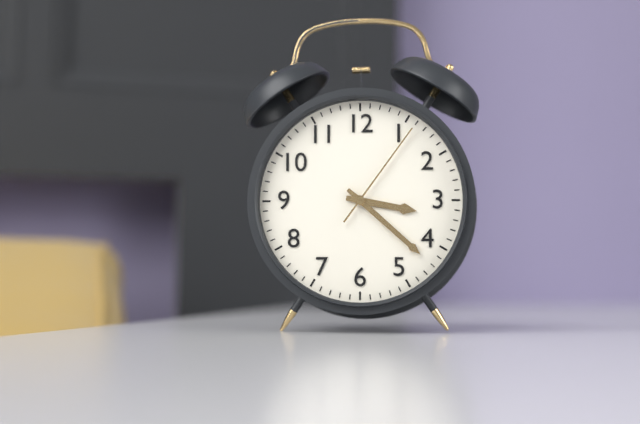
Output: 3h22m06s
